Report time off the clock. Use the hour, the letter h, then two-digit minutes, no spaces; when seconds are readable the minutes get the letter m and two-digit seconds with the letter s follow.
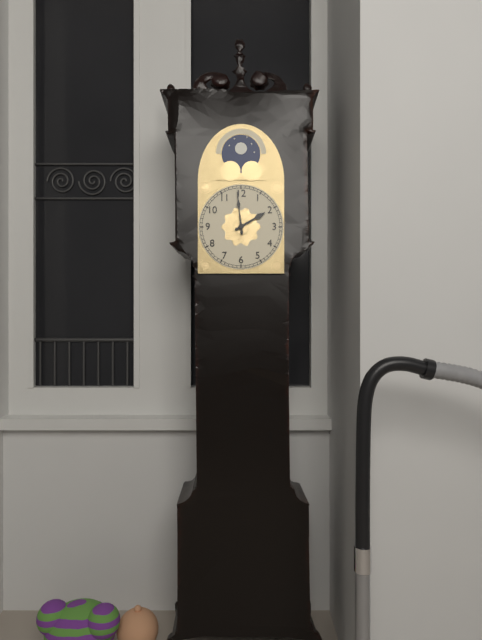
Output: 1h59
